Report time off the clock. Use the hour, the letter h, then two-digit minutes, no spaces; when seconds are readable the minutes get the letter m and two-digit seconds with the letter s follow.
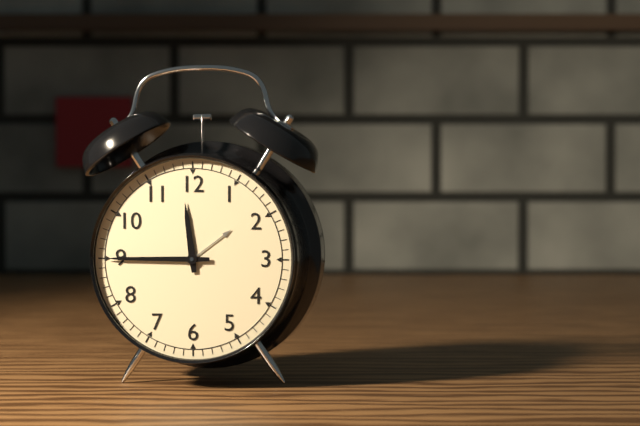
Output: 11h45
